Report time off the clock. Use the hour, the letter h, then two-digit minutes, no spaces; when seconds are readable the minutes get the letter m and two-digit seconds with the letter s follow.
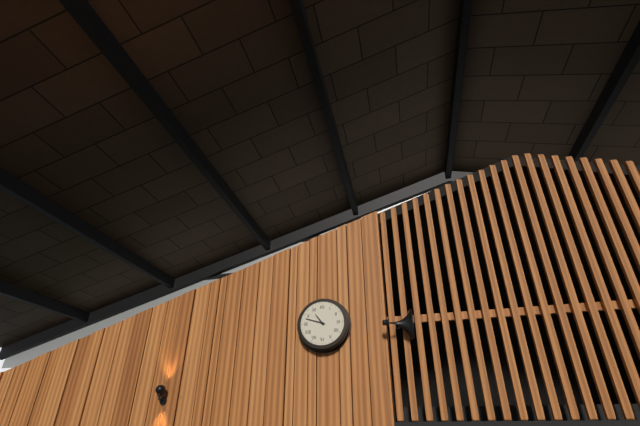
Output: 10h48
